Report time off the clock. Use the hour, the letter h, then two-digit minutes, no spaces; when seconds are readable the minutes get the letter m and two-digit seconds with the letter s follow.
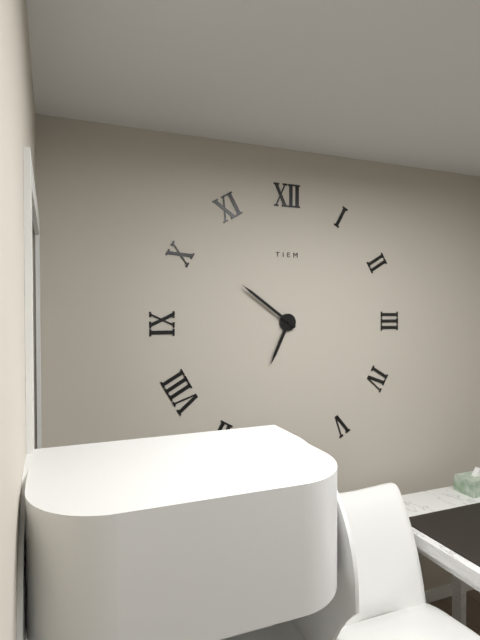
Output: 6h51
